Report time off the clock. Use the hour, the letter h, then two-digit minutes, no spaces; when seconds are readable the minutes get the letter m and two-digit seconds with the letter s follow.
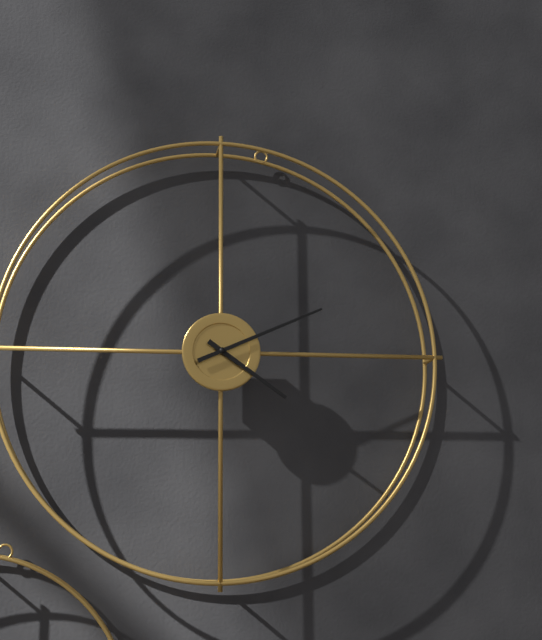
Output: 4h11
